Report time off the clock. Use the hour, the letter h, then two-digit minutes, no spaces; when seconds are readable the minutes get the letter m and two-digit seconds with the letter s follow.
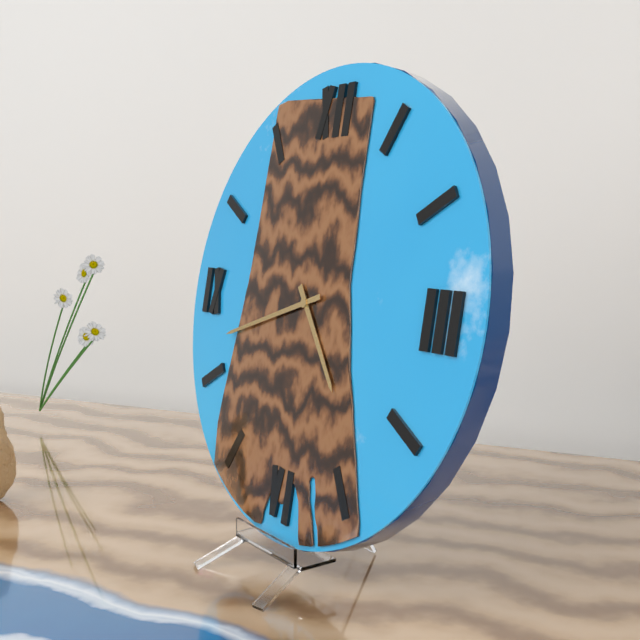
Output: 4h42
